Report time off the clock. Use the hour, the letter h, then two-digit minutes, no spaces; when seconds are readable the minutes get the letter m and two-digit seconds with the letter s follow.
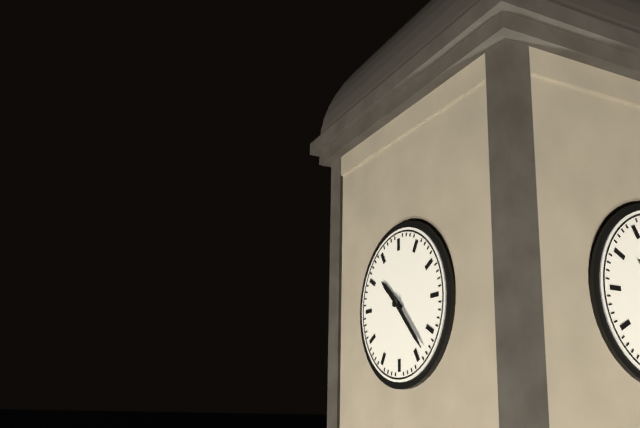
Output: 10h23
